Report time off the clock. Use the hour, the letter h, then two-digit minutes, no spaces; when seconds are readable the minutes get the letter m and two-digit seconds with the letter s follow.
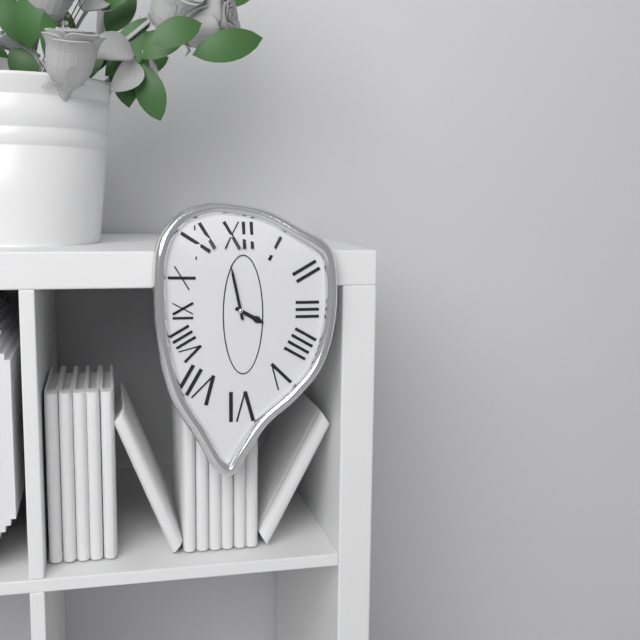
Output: 3h58
